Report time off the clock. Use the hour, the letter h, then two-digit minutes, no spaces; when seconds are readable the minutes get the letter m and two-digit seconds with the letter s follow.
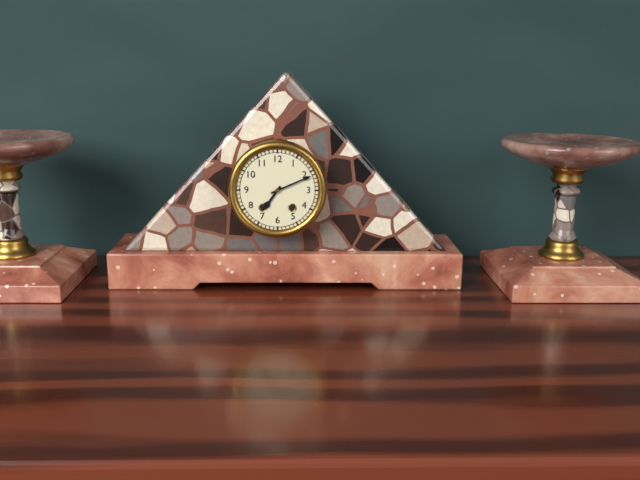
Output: 7h11
